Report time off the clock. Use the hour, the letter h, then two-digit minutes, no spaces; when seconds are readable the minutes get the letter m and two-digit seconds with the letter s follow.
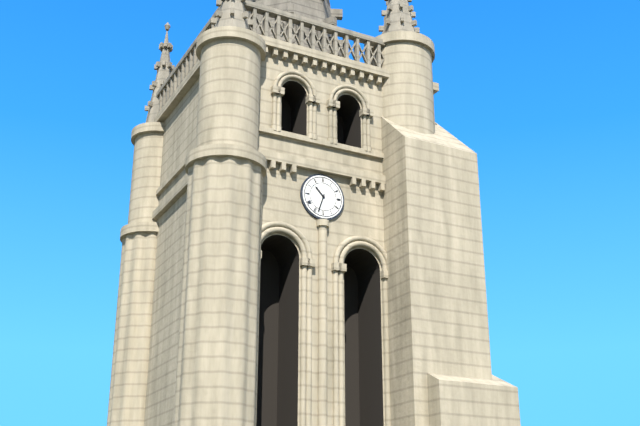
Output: 10h33
